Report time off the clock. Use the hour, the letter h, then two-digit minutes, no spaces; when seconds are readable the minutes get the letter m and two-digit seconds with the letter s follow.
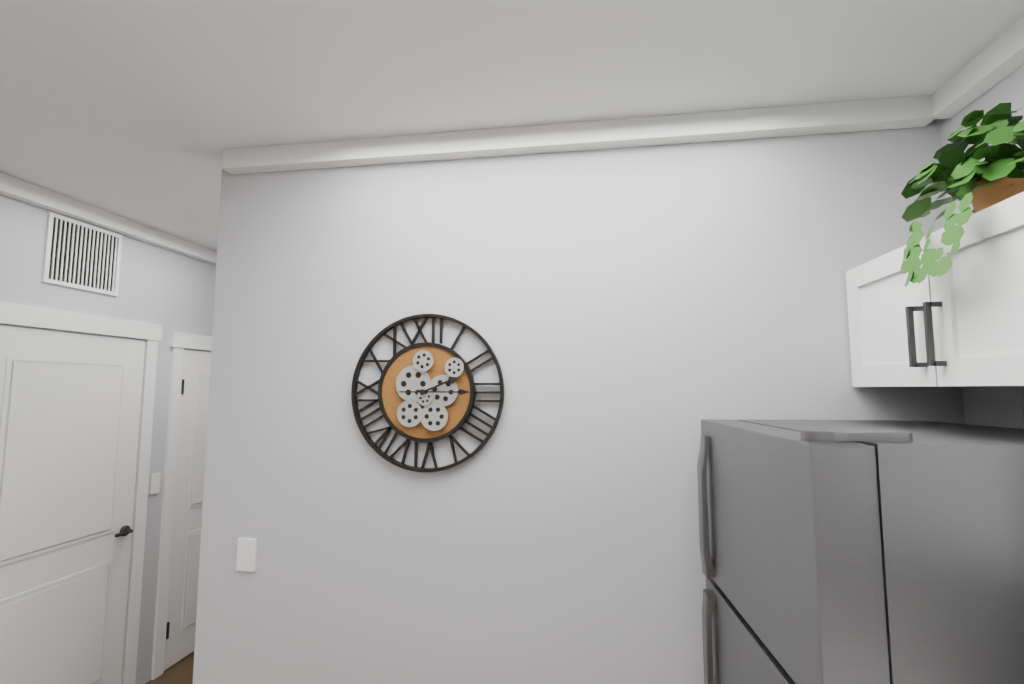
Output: 2h15
